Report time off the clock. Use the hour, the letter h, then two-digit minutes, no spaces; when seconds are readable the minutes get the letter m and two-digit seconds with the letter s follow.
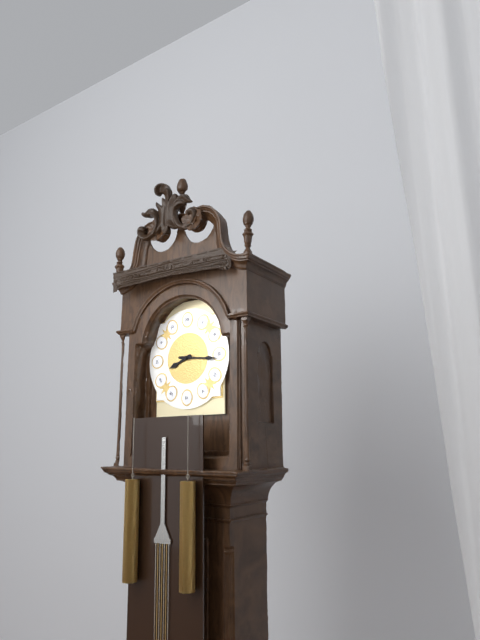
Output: 8h16
